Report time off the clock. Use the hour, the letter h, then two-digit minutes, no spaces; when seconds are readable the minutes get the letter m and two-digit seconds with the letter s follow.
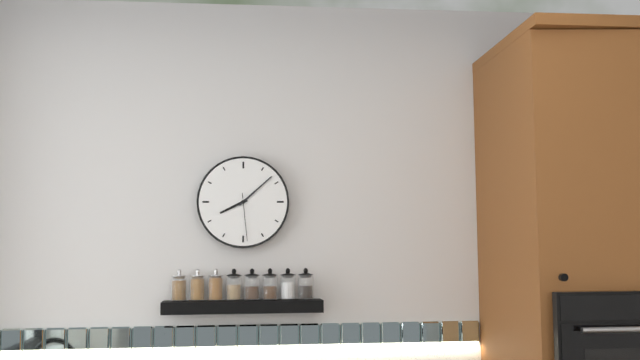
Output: 8h08
